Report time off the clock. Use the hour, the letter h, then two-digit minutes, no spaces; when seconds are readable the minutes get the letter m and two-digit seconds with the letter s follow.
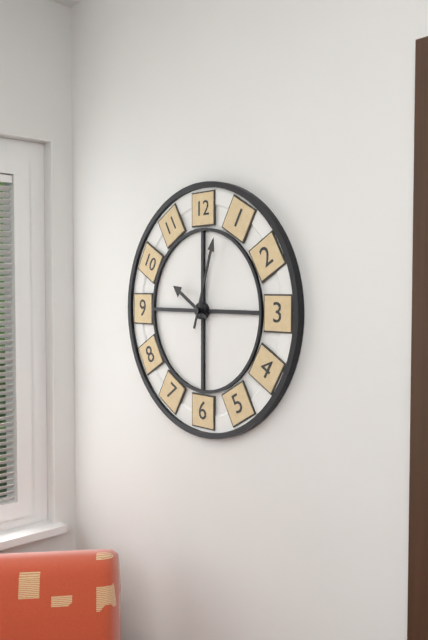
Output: 10h03
